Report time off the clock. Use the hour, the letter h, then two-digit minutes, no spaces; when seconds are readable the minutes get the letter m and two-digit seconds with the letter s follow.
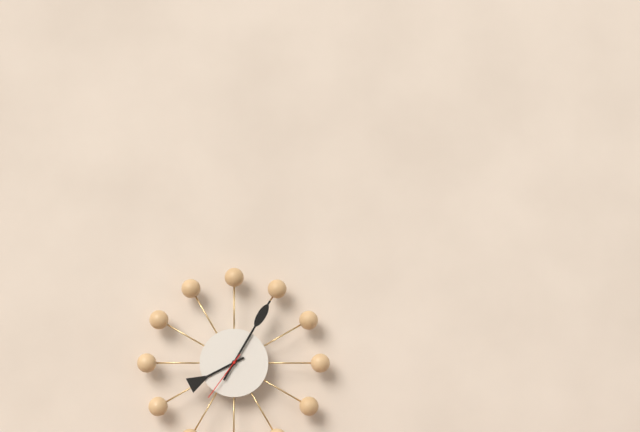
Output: 8h05m36s
